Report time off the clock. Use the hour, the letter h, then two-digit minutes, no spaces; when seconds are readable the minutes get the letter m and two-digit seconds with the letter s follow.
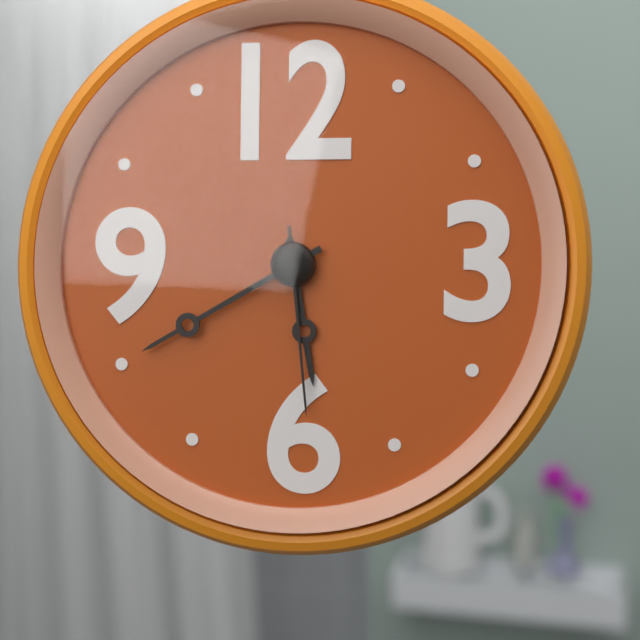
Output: 5h40m29s
